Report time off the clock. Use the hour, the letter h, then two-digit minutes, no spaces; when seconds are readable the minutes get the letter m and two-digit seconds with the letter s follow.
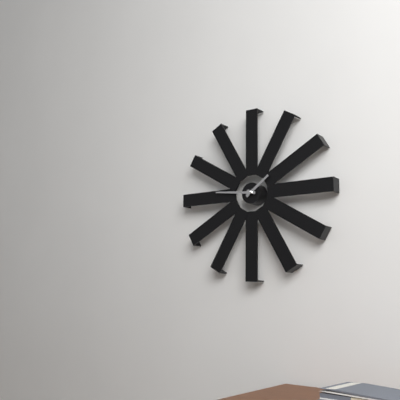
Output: 1h46
